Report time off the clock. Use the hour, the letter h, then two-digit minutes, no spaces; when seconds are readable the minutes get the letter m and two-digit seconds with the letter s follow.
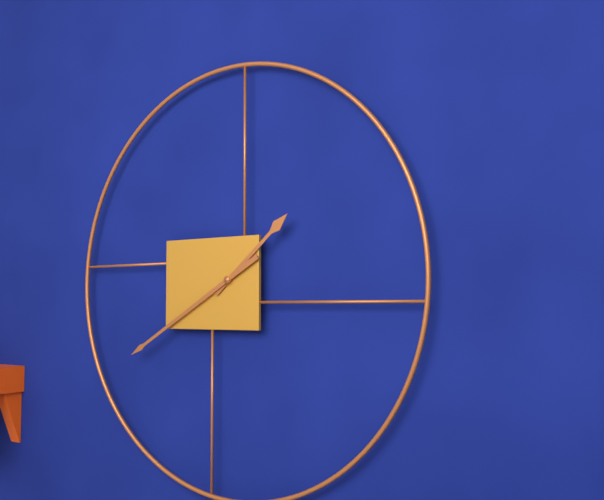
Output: 1h40
